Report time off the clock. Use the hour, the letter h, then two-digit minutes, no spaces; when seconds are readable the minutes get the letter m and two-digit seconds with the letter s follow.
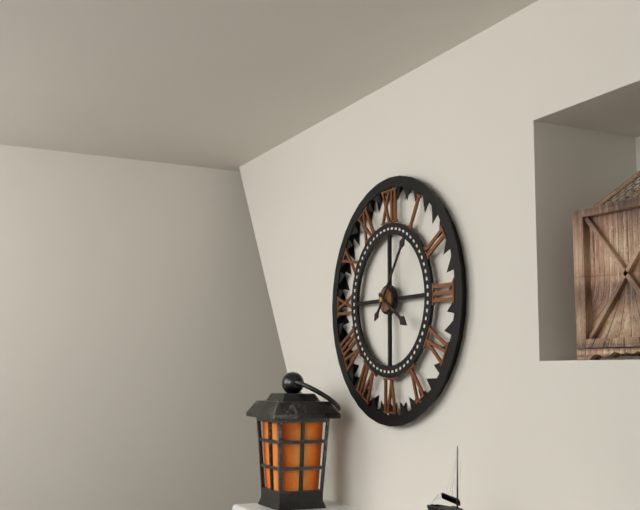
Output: 4h06
